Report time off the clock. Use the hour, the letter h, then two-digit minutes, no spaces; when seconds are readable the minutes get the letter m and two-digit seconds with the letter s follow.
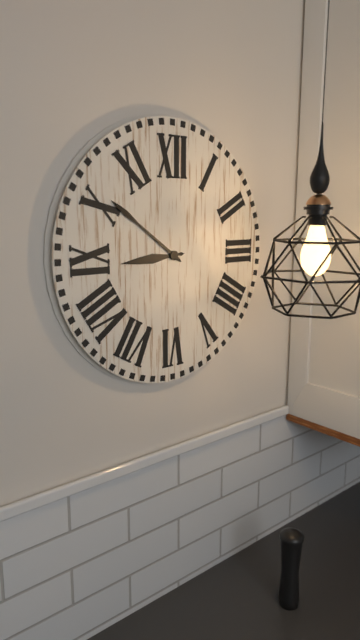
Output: 8h51
